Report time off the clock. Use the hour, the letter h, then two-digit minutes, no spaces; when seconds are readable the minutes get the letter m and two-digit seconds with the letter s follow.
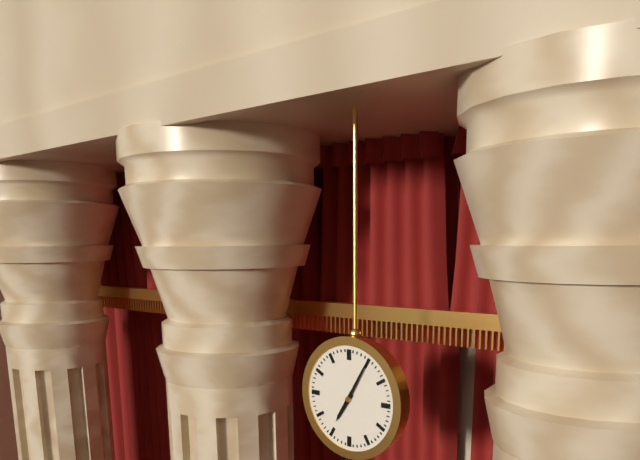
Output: 7h05
